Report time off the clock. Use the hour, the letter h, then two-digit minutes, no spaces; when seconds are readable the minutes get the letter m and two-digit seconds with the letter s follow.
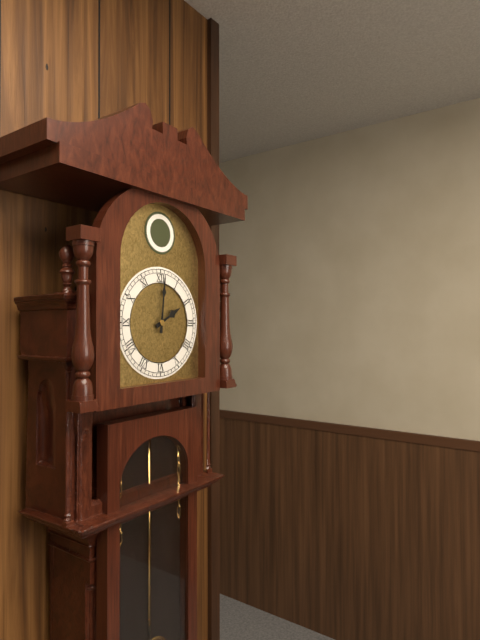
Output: 2h01
